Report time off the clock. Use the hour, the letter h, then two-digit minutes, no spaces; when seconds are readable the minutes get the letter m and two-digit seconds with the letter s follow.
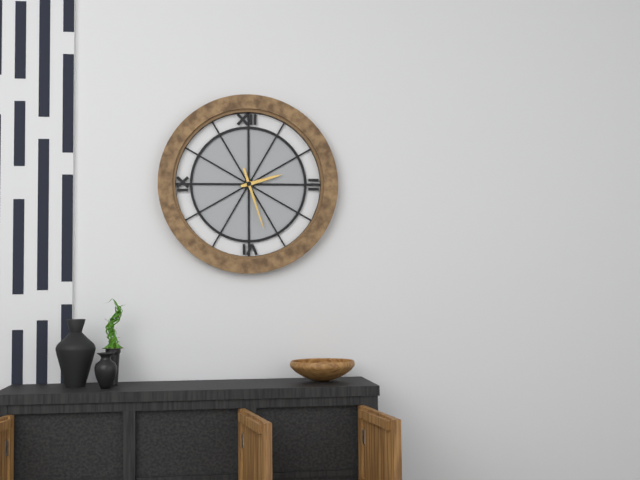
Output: 2h27
